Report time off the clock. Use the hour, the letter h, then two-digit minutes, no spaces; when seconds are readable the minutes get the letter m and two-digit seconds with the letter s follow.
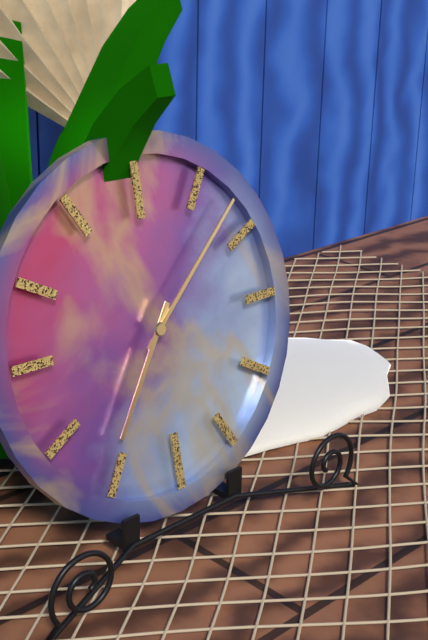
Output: 7h08
